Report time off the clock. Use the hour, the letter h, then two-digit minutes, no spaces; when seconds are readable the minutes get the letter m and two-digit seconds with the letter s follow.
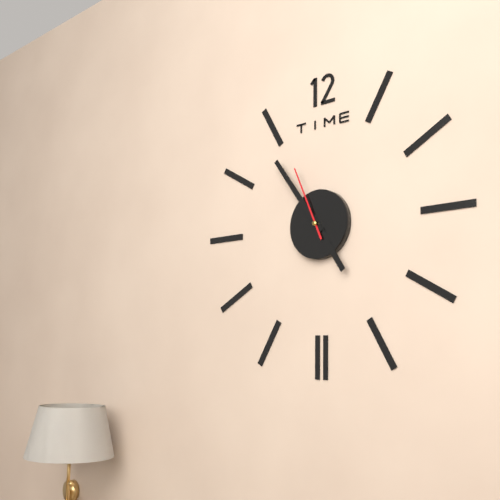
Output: 4h54m56s
